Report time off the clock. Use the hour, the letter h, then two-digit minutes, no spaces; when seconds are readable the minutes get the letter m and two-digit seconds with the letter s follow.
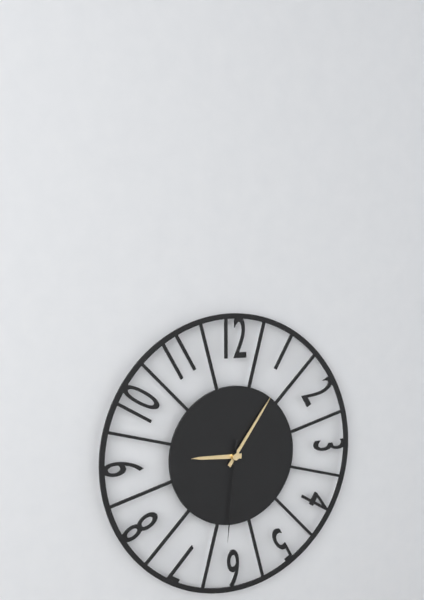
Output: 9h06m31s
